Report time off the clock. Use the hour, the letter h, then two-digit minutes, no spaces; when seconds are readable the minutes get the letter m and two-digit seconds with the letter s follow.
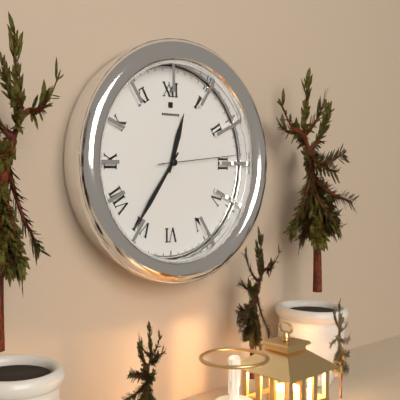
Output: 12h36m14s
